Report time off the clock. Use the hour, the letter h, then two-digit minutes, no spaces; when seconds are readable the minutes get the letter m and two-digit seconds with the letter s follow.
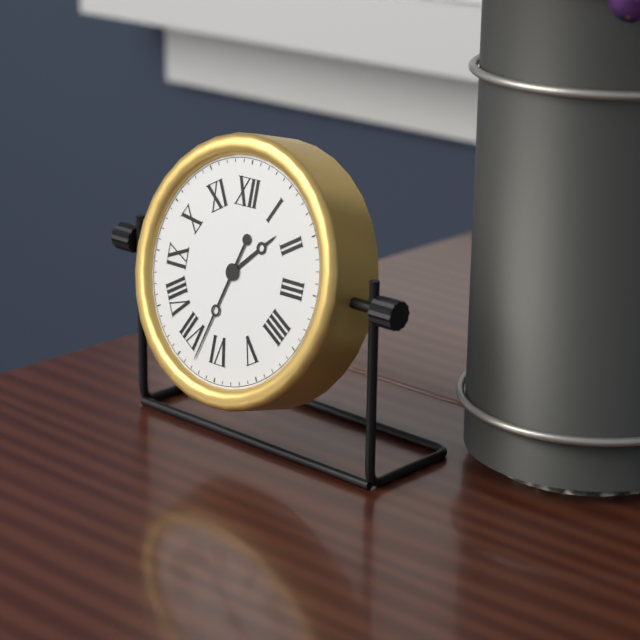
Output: 1h33
